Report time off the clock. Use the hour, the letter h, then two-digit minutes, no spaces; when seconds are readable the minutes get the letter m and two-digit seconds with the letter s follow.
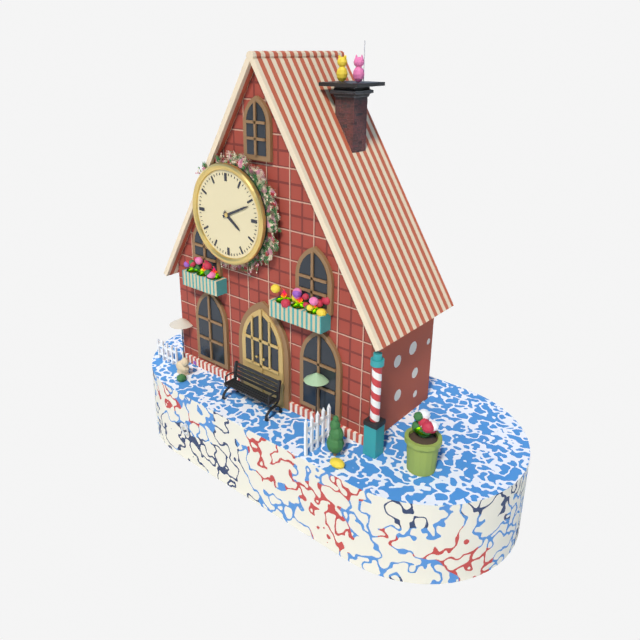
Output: 4h11
